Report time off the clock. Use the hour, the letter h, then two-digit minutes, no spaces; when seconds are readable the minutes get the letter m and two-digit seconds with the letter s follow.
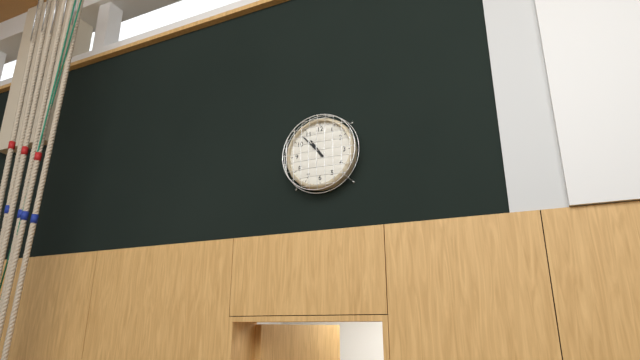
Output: 10h53
